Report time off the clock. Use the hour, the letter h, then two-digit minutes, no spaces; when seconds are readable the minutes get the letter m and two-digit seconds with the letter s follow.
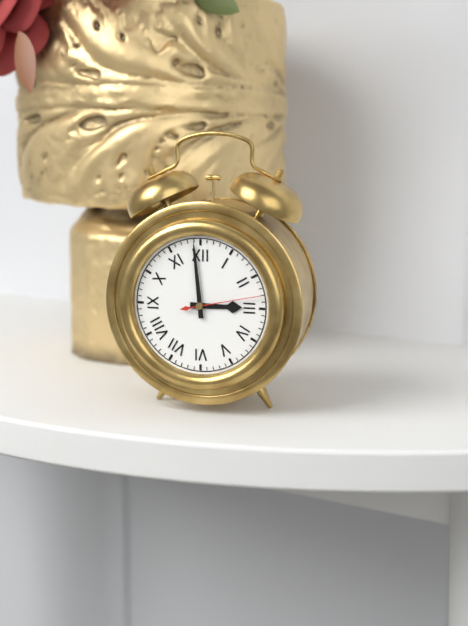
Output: 2h59m13s
